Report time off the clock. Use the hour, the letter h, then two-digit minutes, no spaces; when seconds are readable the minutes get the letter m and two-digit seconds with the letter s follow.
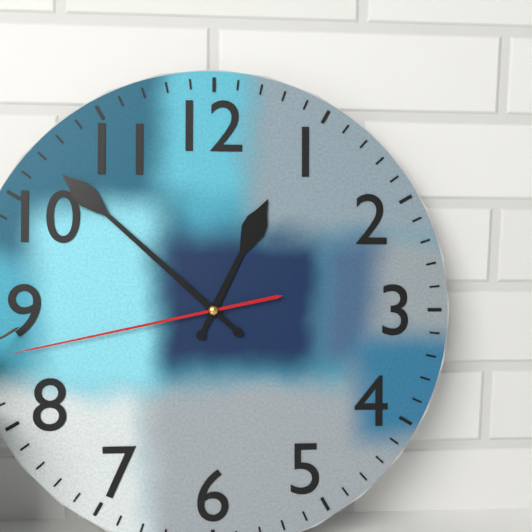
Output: 12h52m43s
